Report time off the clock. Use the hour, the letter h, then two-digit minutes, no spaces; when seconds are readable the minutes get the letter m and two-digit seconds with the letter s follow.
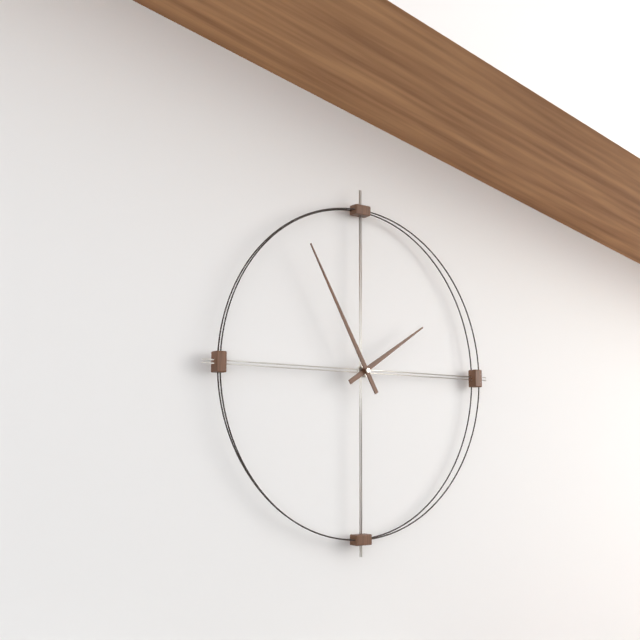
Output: 1h55
